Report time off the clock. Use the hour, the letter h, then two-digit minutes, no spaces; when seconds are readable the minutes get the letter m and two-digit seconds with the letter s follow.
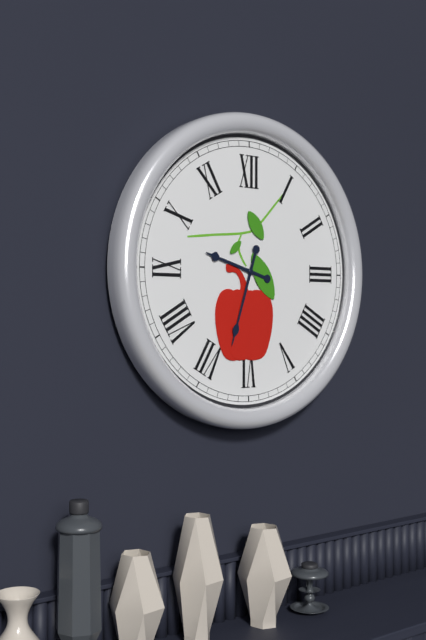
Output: 9h33
